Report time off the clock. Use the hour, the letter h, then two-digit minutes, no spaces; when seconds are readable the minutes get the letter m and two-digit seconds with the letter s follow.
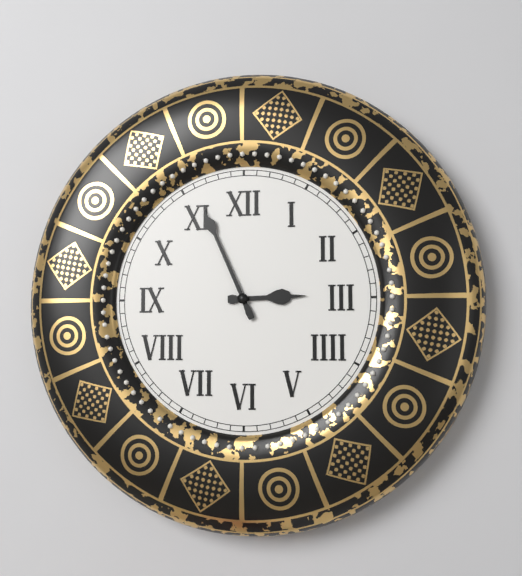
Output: 2h56
